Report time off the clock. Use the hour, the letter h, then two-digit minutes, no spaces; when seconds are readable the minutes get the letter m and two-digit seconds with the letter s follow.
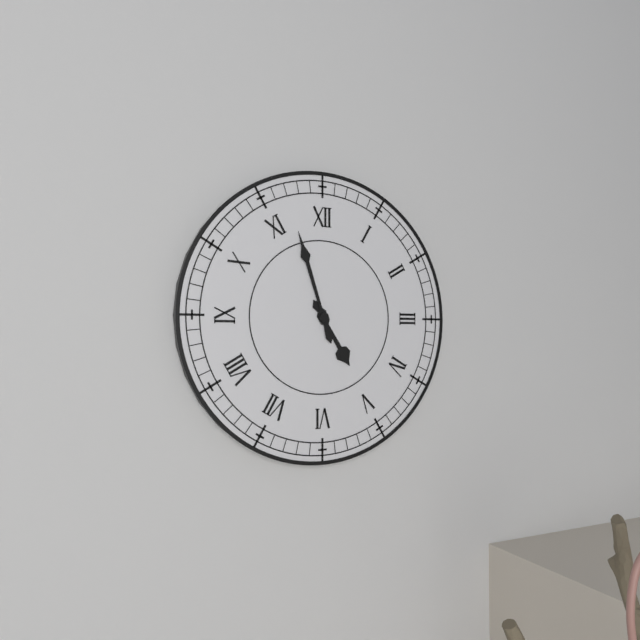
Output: 4h57
